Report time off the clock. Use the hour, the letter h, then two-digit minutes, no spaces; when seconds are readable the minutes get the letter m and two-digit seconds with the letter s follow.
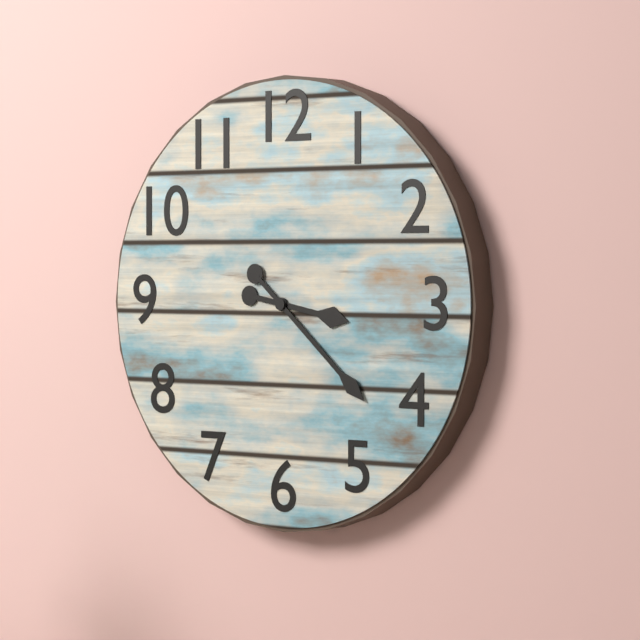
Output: 3h22
